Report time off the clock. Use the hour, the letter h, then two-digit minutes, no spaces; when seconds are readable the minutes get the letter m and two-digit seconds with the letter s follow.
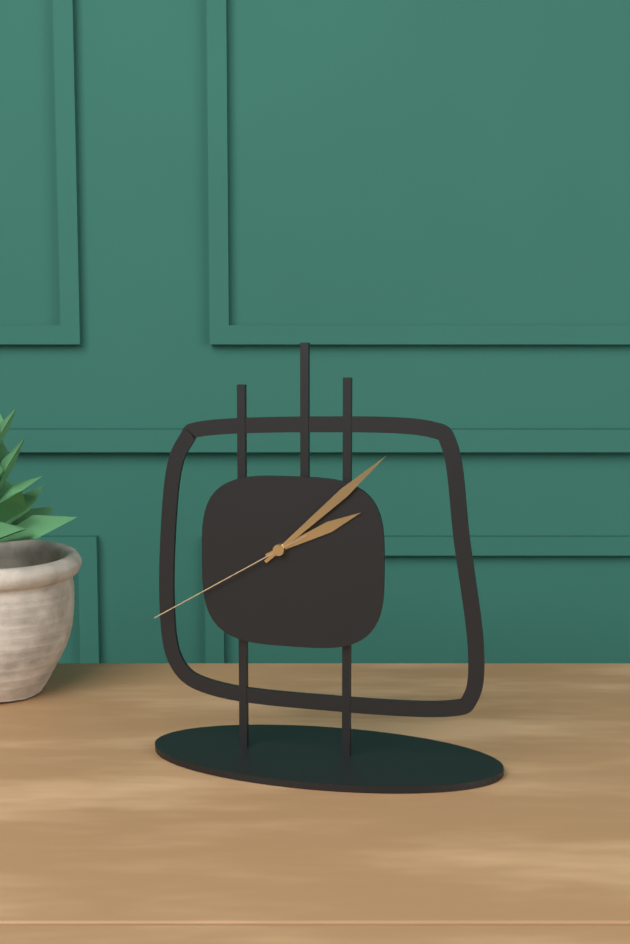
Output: 2h08m40s
